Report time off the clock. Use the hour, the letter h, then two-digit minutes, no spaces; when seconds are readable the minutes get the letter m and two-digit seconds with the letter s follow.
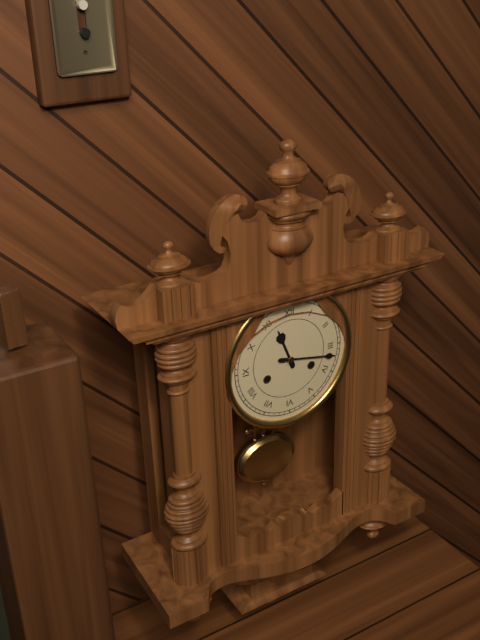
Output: 11h17
